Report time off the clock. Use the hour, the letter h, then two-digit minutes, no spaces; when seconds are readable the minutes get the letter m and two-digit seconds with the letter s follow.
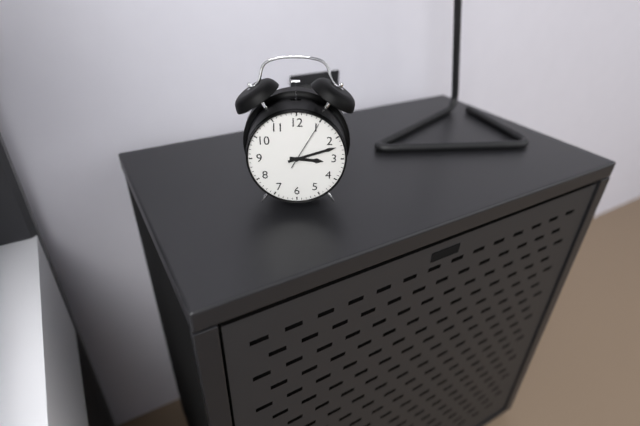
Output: 3h12m05s
